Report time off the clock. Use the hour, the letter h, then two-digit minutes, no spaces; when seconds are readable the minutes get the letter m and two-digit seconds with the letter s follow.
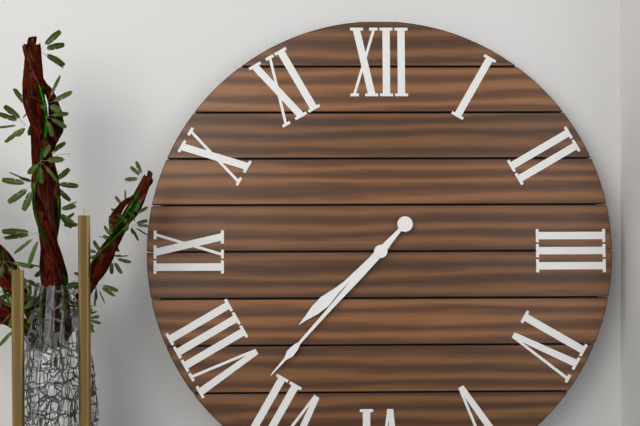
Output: 7h37
